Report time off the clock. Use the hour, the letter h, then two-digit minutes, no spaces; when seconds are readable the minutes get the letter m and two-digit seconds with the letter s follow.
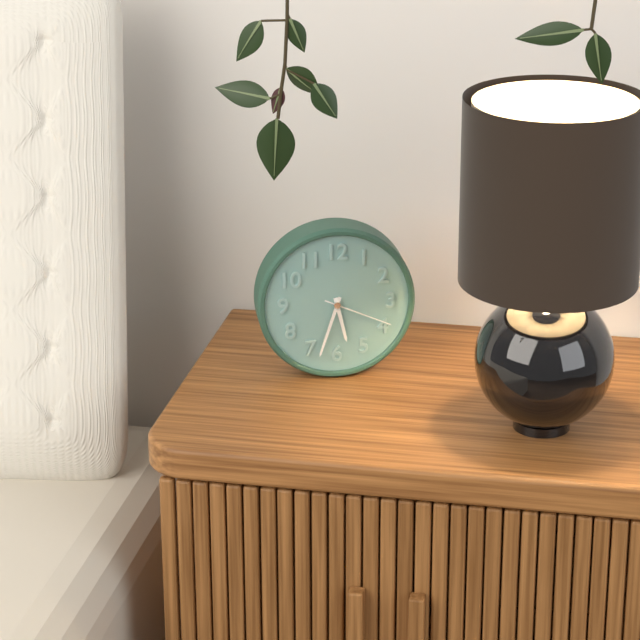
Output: 5h33m19s
